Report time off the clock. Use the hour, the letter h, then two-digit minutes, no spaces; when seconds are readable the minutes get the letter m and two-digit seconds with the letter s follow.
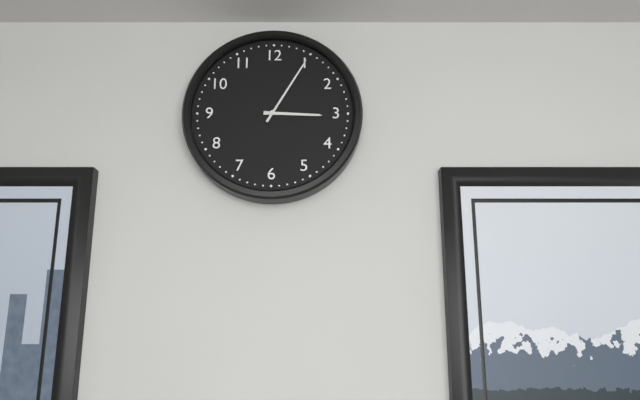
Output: 3h05
